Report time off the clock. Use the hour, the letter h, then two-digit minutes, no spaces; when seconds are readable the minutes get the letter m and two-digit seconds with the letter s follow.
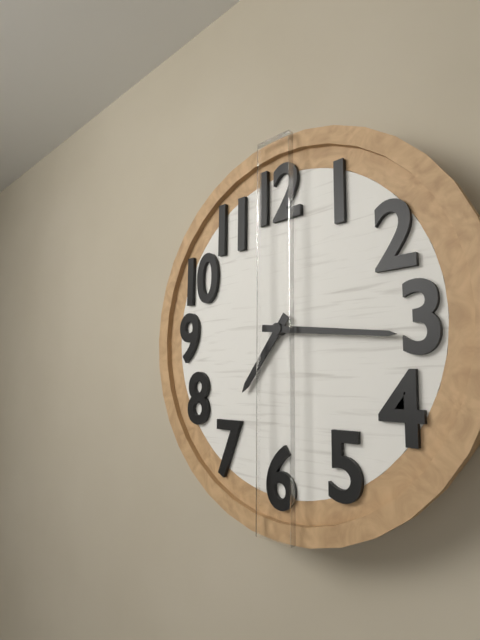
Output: 7h16
